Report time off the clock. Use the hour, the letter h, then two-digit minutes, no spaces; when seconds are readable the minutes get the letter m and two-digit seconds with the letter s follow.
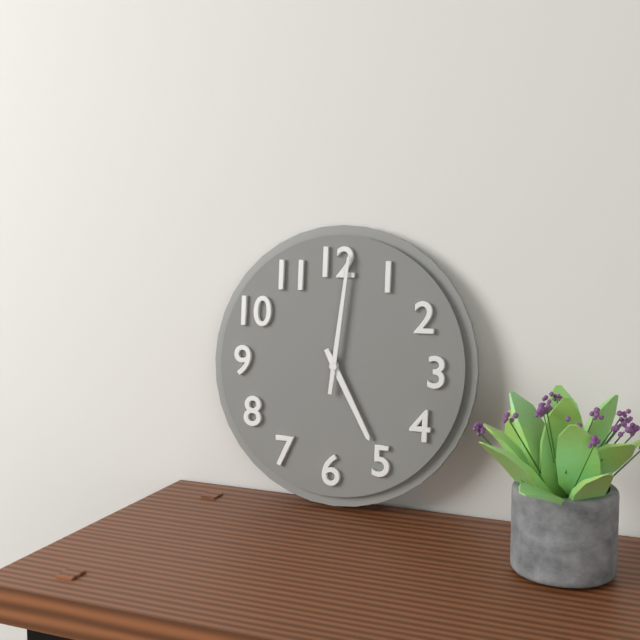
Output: 5h01
